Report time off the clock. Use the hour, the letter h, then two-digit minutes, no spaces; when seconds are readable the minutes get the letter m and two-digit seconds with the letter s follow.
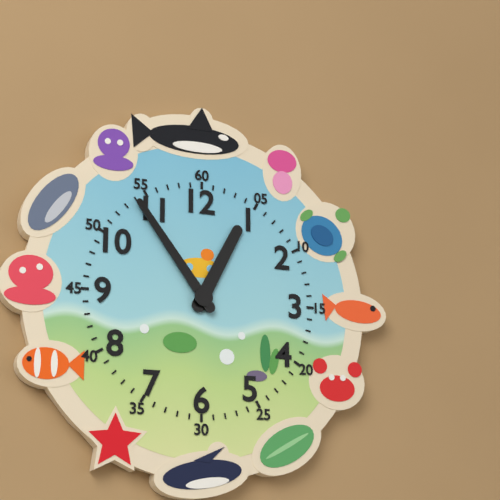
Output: 12h54
